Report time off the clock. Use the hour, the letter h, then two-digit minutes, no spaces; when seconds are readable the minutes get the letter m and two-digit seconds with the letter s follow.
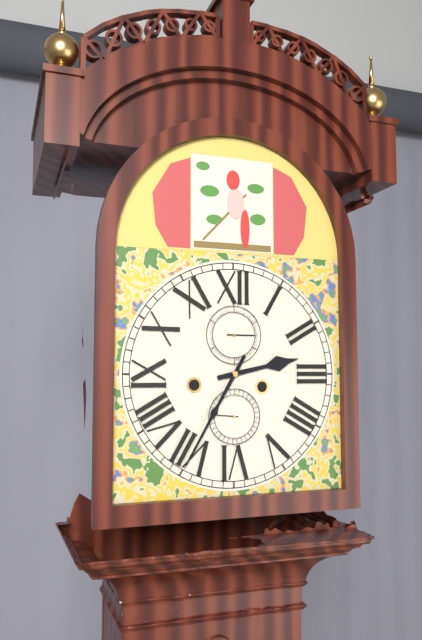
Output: 2h35
